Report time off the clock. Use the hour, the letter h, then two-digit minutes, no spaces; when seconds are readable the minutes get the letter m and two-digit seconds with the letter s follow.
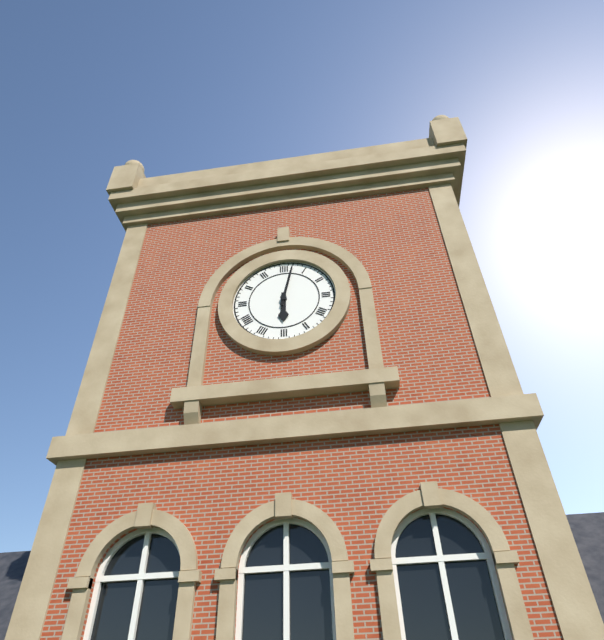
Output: 6h02
